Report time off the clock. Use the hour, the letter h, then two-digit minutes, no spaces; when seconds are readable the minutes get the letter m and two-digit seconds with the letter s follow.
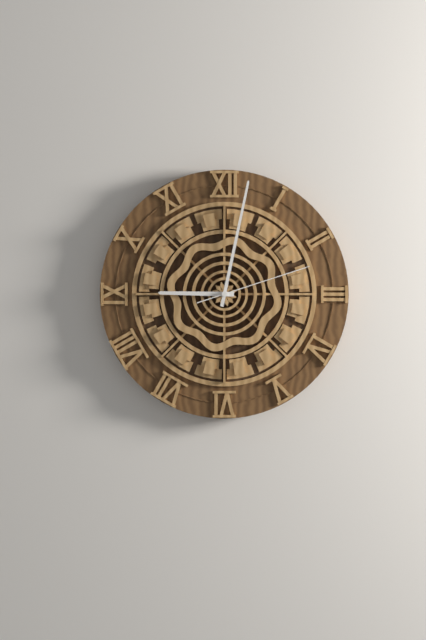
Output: 9h02m12s
